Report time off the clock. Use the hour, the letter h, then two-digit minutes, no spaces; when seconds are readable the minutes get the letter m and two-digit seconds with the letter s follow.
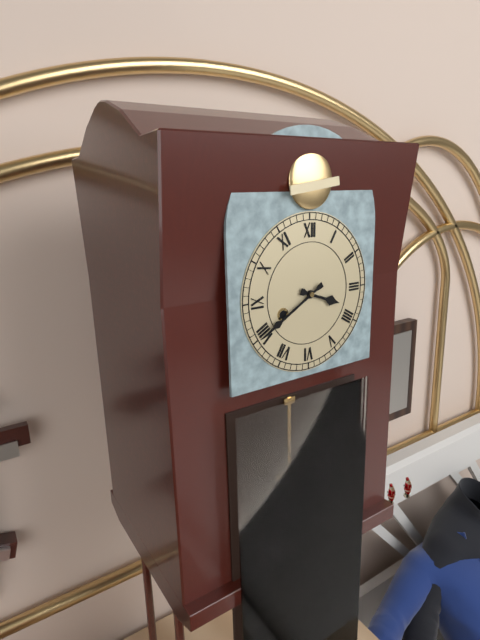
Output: 3h40
